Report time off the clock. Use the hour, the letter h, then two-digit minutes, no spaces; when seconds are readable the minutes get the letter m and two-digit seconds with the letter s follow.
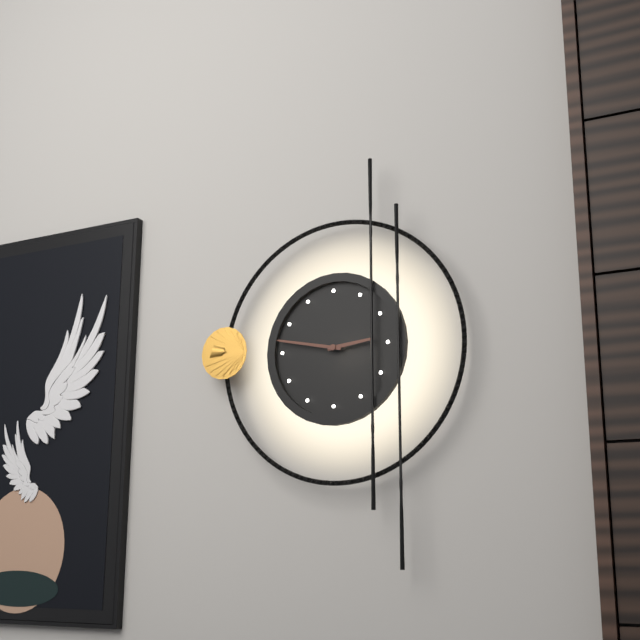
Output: 2h47
